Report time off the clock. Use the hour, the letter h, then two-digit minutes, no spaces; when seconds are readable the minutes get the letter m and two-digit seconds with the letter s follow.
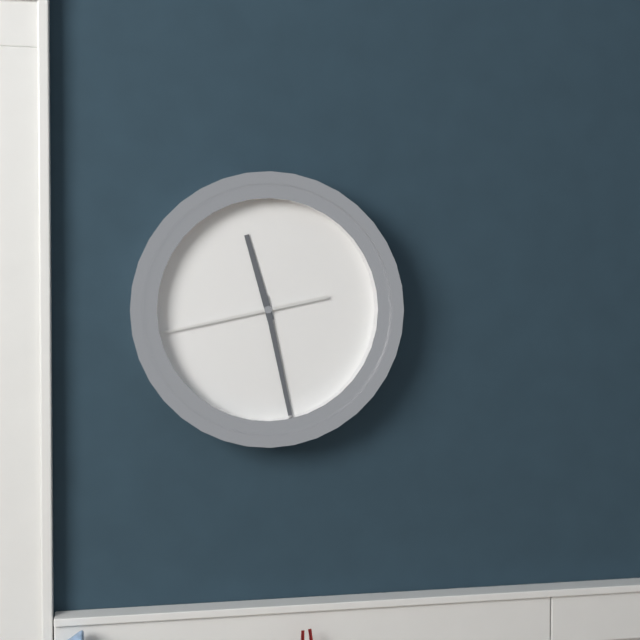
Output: 11h28m43s
